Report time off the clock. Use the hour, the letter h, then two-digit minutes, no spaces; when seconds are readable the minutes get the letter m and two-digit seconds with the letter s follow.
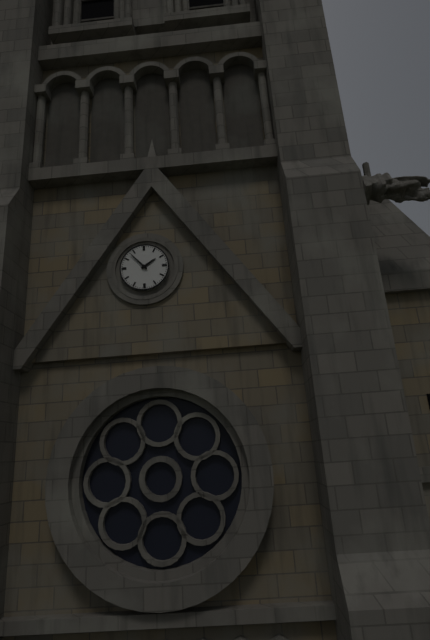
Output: 1h53
